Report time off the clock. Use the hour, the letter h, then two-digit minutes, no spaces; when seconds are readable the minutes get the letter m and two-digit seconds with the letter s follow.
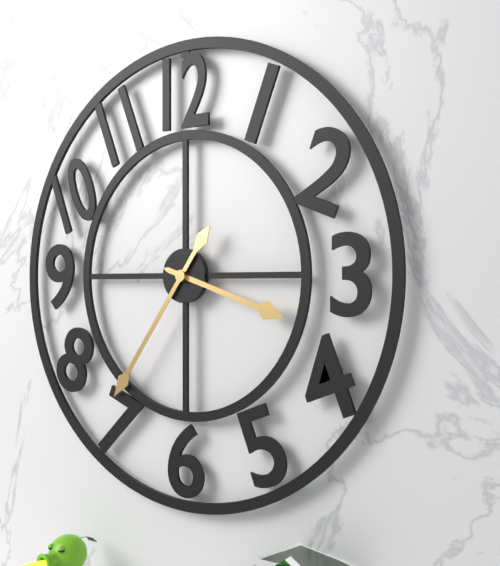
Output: 3h36
